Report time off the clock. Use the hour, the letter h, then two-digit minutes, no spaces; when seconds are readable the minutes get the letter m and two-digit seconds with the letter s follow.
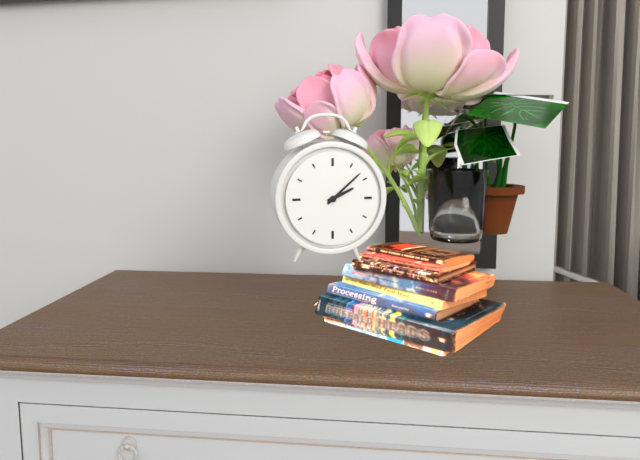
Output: 2h08
